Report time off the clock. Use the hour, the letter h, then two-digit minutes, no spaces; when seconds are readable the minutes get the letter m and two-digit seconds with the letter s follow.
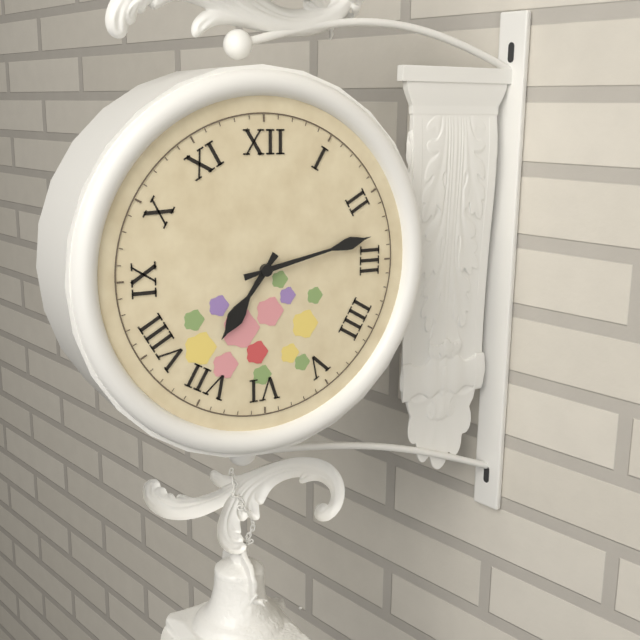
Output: 7h13
